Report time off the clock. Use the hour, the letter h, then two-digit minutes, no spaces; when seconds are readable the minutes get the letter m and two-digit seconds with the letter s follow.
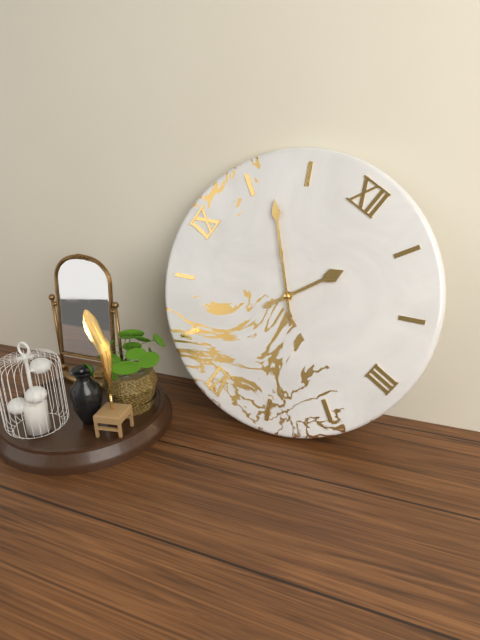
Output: 12h52
